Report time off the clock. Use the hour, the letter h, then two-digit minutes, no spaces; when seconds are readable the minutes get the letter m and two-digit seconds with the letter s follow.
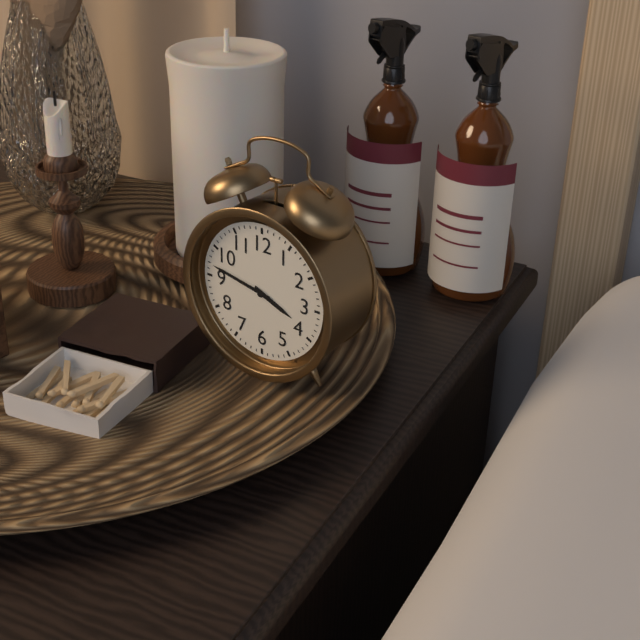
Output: 3h47
